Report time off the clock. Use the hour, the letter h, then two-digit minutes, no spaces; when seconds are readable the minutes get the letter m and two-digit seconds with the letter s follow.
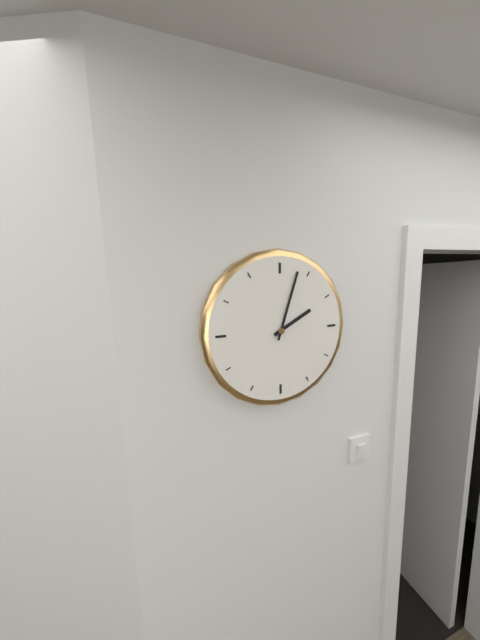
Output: 2h03
